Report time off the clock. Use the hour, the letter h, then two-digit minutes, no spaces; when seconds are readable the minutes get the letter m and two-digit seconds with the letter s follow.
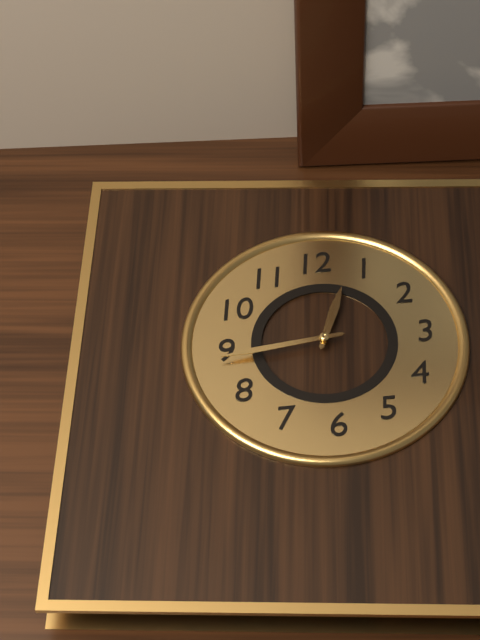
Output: 12h44
